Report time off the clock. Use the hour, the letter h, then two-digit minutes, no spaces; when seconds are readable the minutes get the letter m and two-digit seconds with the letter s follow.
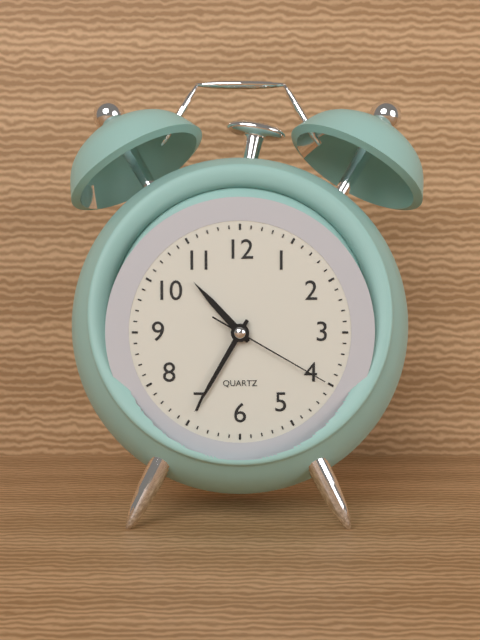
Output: 10h35m20s
